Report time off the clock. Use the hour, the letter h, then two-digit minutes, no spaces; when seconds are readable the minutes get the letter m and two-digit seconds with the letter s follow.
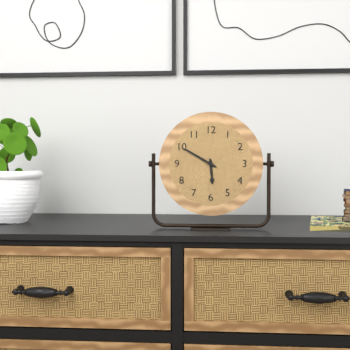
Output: 5h50
